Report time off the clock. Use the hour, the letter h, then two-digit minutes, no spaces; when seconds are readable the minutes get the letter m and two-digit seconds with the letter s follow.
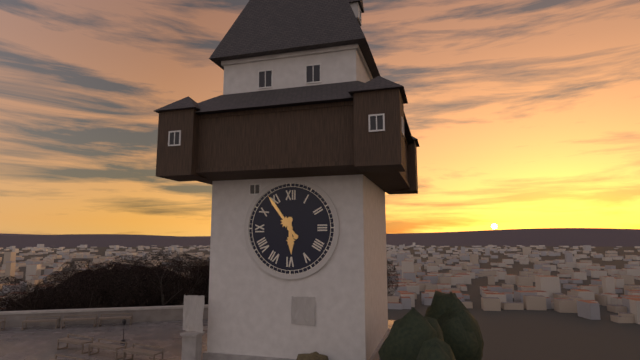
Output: 5h54
